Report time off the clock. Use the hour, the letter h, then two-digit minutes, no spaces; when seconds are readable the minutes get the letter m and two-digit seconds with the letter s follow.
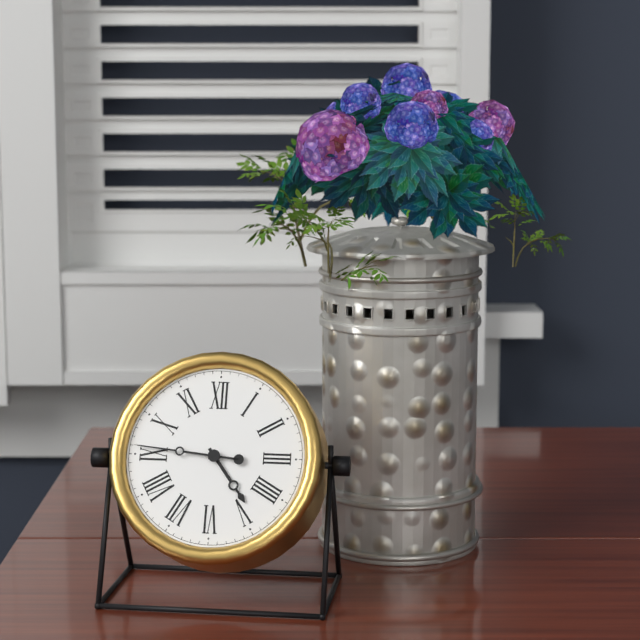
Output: 4h46
